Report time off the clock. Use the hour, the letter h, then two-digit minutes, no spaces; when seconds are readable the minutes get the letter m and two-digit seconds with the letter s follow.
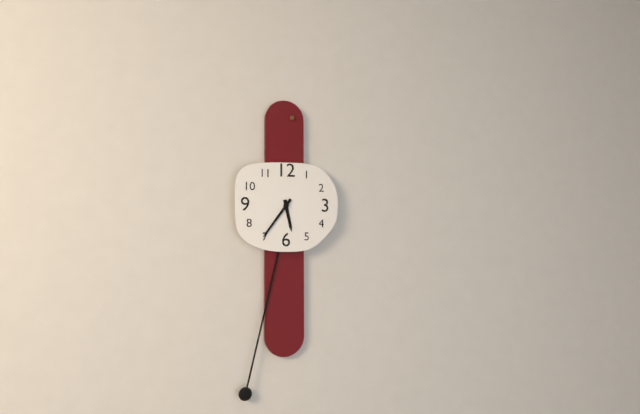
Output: 5h36
